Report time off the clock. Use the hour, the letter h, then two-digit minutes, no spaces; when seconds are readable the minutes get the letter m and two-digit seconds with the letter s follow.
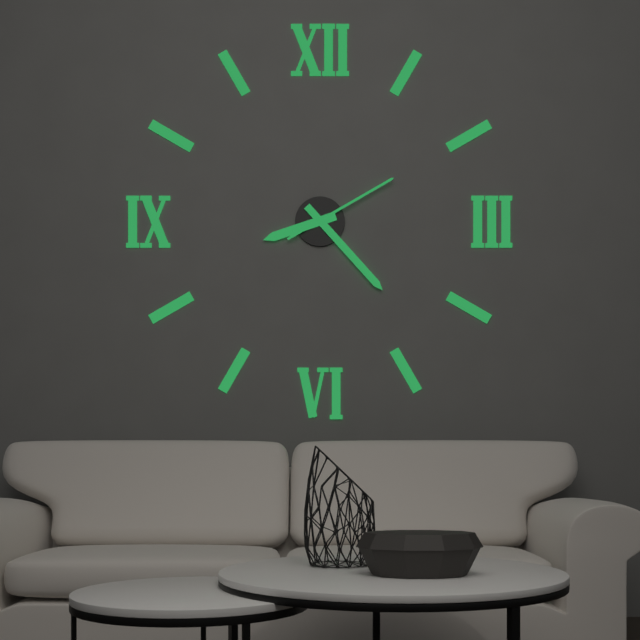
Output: 8h23m10s
